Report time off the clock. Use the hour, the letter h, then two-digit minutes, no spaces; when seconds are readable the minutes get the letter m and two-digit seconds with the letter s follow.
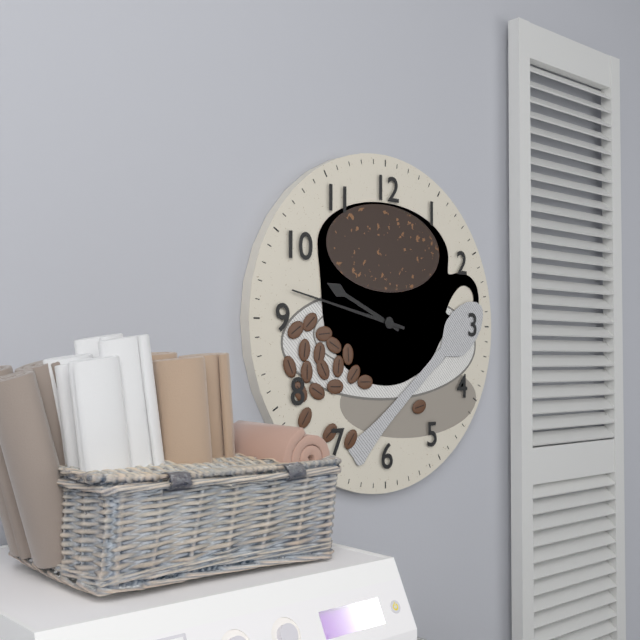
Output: 9h47
